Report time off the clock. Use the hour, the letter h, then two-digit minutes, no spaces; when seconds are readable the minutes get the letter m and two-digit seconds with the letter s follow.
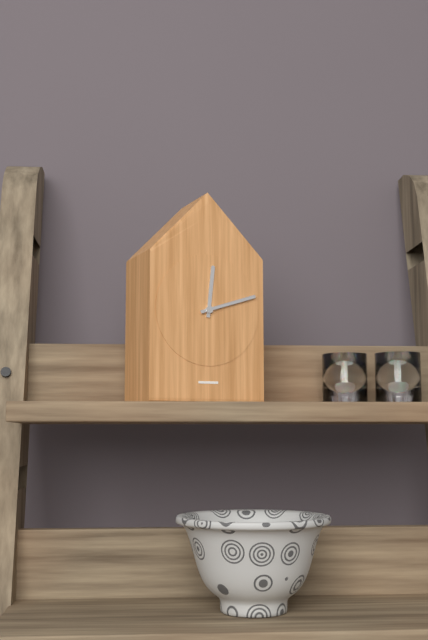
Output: 12h12
